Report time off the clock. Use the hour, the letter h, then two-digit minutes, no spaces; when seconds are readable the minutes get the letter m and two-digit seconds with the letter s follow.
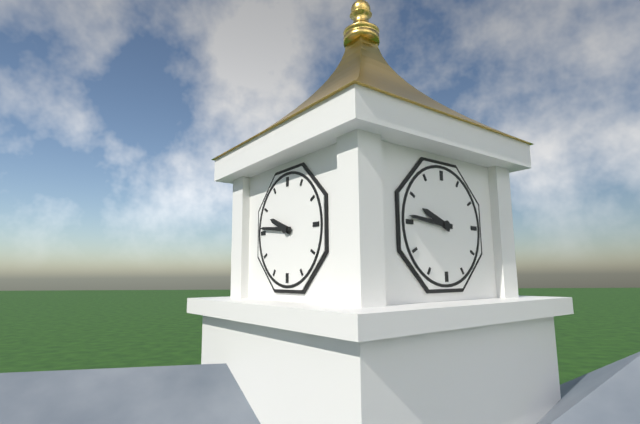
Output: 9h46
